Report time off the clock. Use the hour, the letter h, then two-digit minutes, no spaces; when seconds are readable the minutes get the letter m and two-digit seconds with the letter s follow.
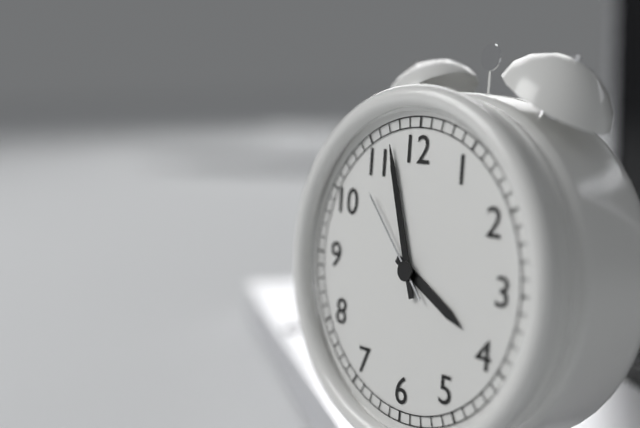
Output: 3h57m53s
